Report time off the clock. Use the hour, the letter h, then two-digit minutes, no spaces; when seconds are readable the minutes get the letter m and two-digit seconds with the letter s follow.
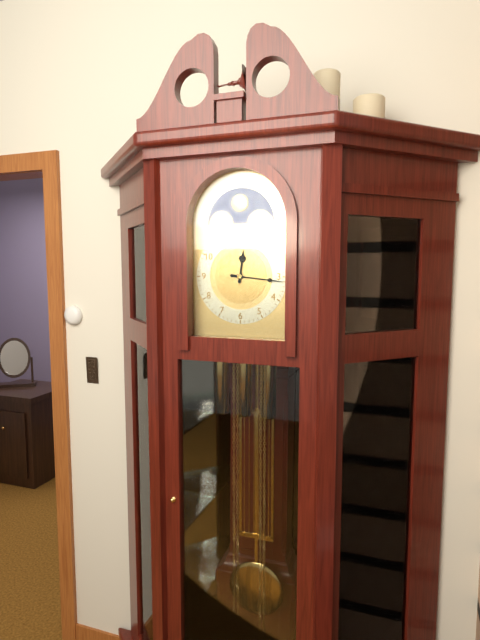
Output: 12h16
